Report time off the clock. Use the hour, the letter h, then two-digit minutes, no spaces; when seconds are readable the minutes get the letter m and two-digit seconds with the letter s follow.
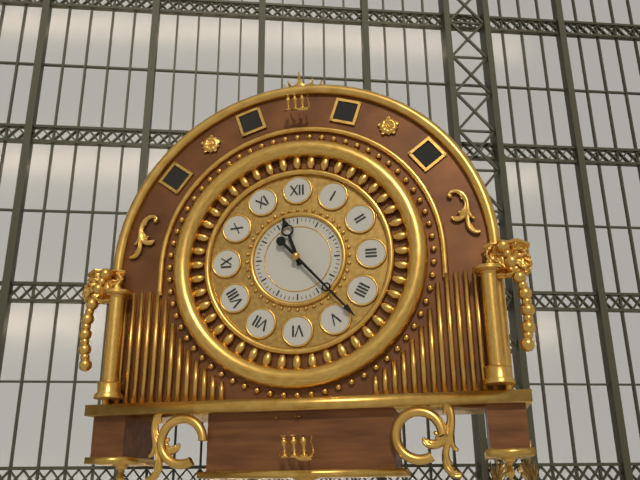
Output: 11h23
